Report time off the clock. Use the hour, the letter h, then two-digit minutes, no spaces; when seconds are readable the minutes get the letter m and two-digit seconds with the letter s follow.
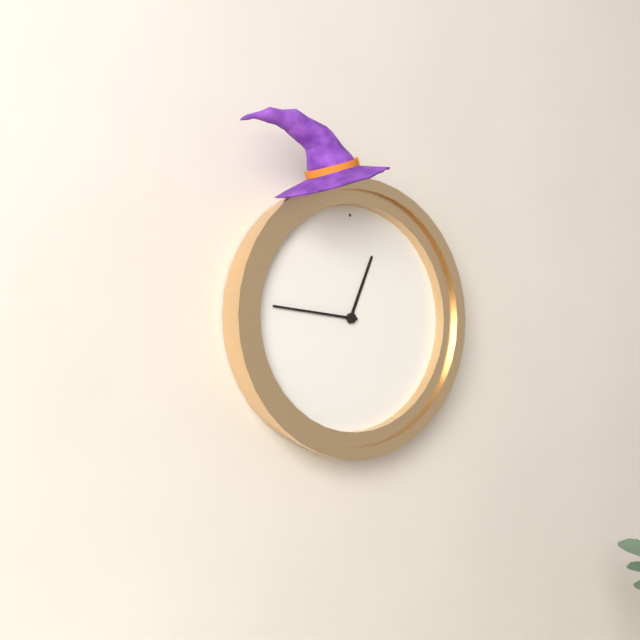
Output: 12h46
